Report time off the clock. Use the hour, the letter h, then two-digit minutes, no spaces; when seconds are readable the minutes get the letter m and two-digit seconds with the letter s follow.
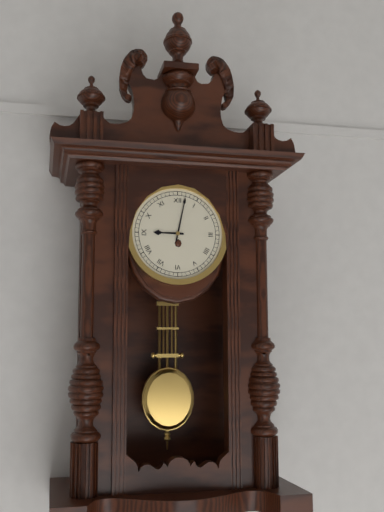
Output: 9h02
